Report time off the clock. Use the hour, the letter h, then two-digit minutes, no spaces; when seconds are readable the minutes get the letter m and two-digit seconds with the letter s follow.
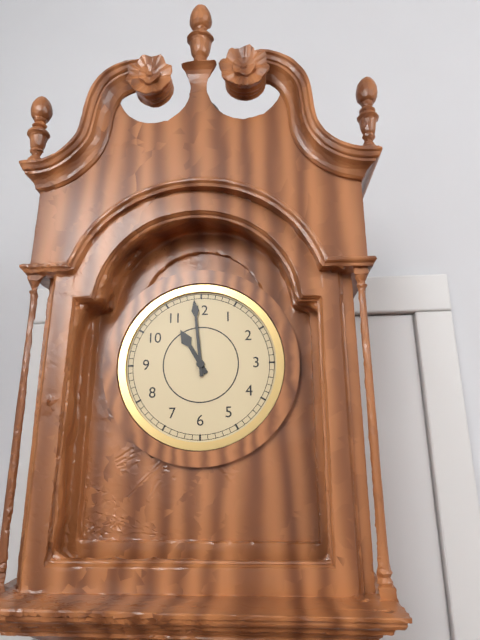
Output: 10h59
